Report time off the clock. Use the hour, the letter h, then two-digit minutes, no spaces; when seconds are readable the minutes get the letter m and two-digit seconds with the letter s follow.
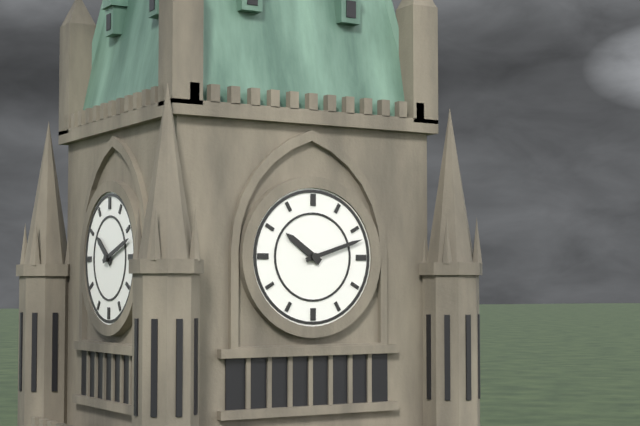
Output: 10h12
